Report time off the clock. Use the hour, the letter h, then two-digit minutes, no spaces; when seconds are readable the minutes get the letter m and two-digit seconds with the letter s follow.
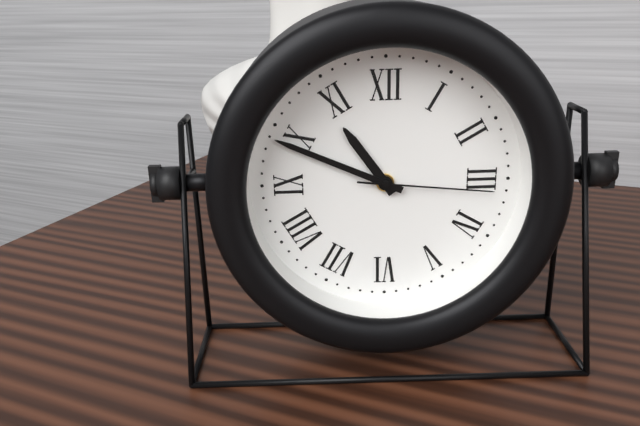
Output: 10h49m16s
